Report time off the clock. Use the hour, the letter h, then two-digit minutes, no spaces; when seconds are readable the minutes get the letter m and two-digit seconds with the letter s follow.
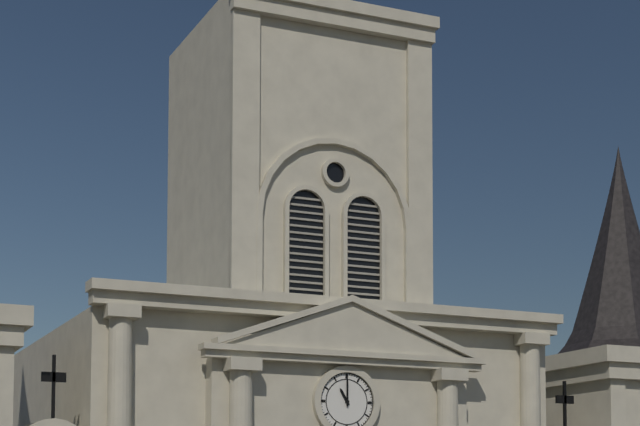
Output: 11h00
